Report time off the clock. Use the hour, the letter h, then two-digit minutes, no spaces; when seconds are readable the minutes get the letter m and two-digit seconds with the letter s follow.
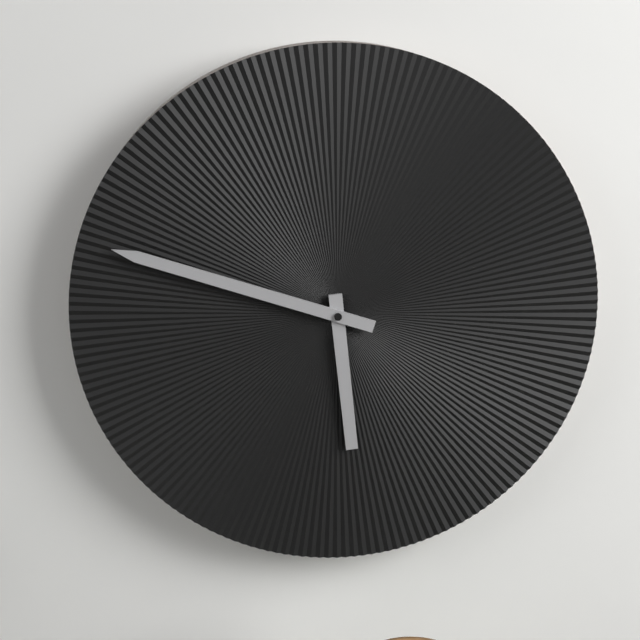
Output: 5h48
